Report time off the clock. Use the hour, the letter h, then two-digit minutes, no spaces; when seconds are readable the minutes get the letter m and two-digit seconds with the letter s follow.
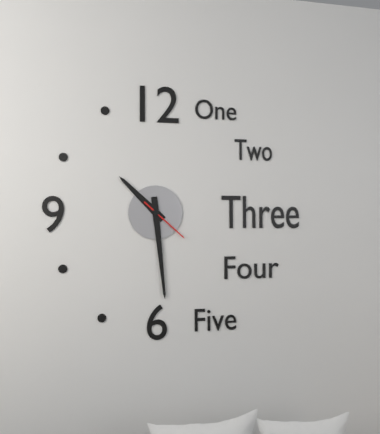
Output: 10h29
